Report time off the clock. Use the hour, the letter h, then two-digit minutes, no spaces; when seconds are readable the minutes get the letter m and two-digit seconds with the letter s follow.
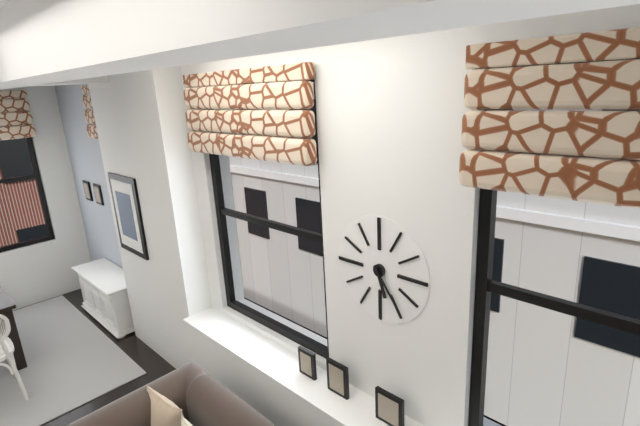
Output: 5h24
